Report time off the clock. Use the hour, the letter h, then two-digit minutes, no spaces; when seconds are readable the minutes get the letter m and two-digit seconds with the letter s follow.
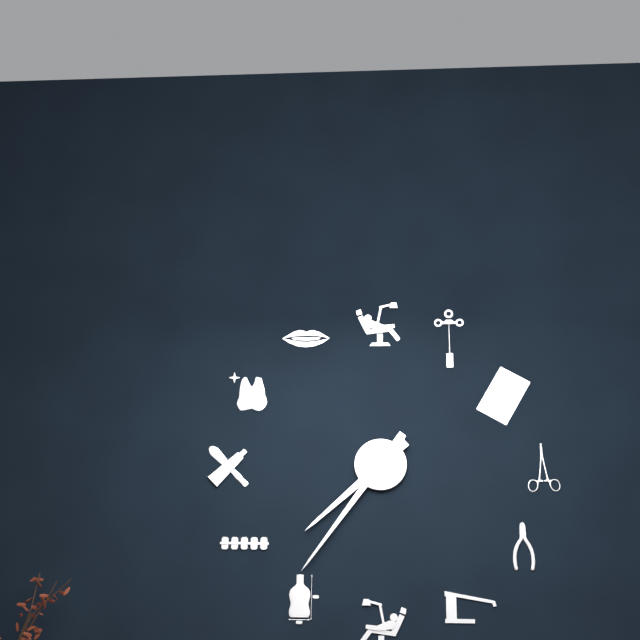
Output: 7h36
